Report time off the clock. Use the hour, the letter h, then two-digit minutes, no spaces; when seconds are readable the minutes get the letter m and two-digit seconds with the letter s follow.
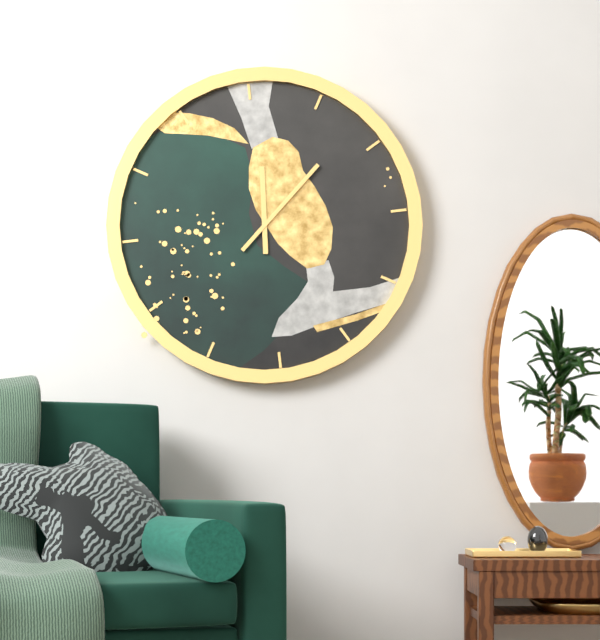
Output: 12h08
